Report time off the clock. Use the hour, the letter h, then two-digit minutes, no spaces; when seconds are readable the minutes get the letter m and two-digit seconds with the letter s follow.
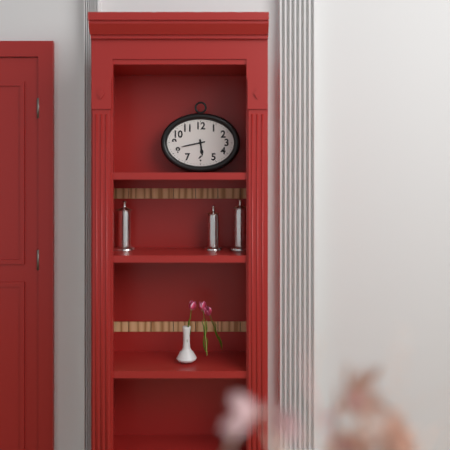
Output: 5h43
